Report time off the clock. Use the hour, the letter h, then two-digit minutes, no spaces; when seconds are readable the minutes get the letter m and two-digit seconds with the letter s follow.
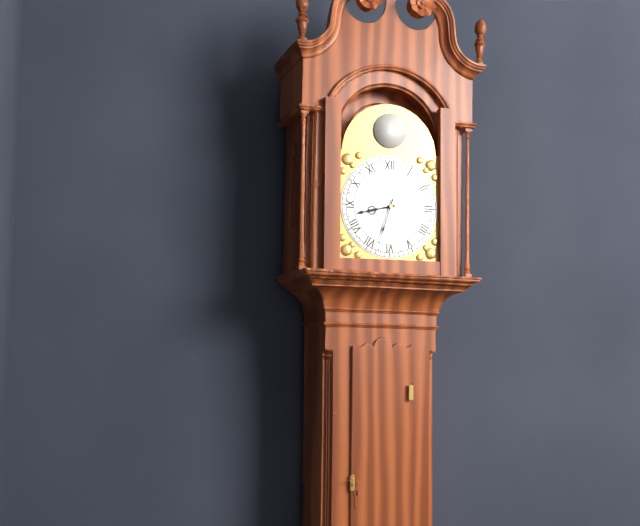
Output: 8h33
